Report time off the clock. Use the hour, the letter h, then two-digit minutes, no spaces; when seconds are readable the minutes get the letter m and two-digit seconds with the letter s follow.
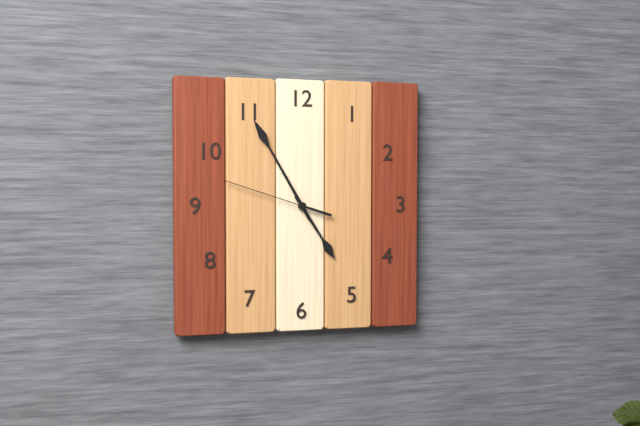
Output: 4h55m48s
